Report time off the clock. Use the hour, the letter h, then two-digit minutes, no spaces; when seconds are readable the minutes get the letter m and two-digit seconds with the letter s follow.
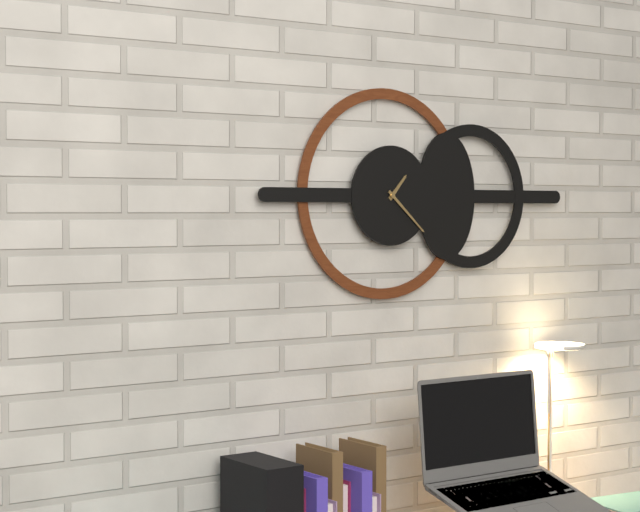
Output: 1h22
